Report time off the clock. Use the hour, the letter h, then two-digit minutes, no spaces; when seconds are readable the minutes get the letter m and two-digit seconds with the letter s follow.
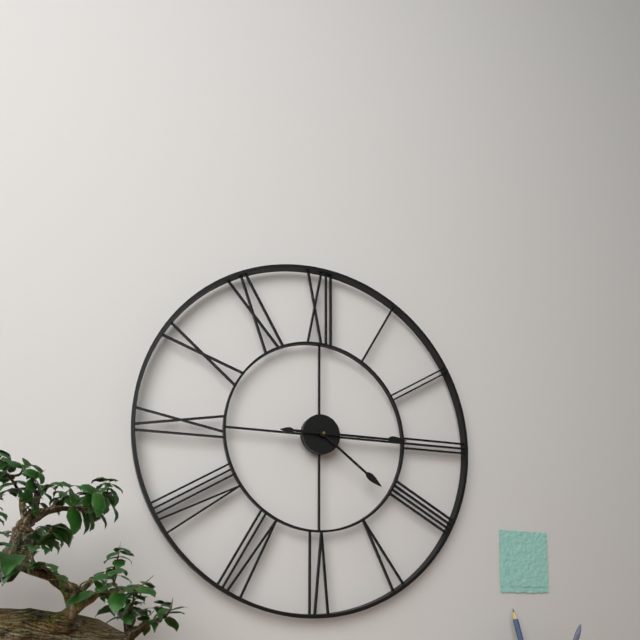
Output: 4h15
